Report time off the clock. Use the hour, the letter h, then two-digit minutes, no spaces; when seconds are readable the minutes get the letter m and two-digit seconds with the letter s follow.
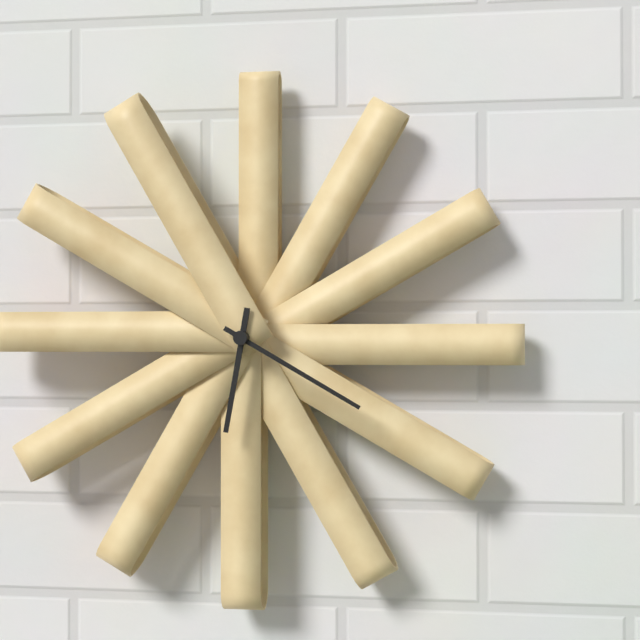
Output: 6h20
